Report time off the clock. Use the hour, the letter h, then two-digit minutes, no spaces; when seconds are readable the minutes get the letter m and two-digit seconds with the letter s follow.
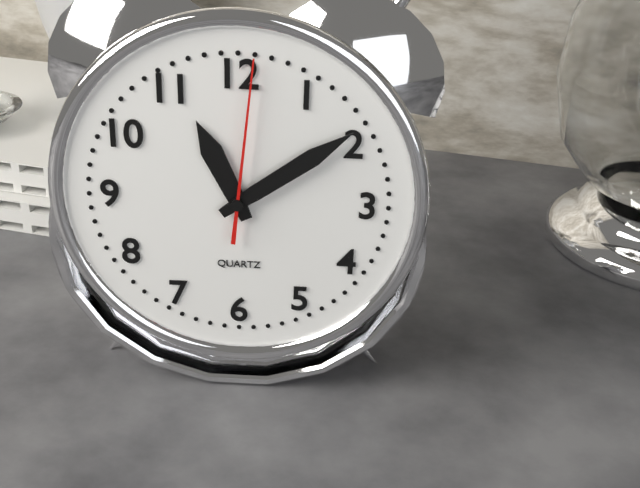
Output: 11h09m01s
